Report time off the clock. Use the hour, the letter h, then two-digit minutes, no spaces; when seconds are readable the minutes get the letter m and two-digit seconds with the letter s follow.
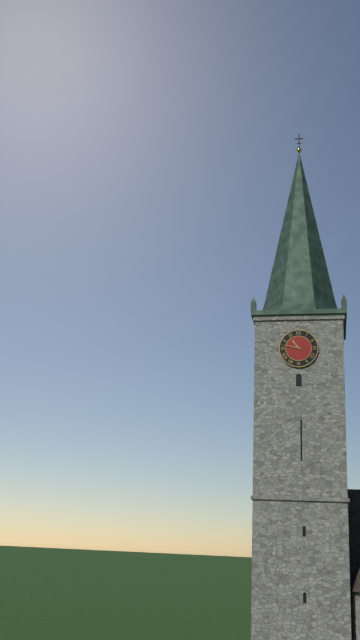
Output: 10h47
